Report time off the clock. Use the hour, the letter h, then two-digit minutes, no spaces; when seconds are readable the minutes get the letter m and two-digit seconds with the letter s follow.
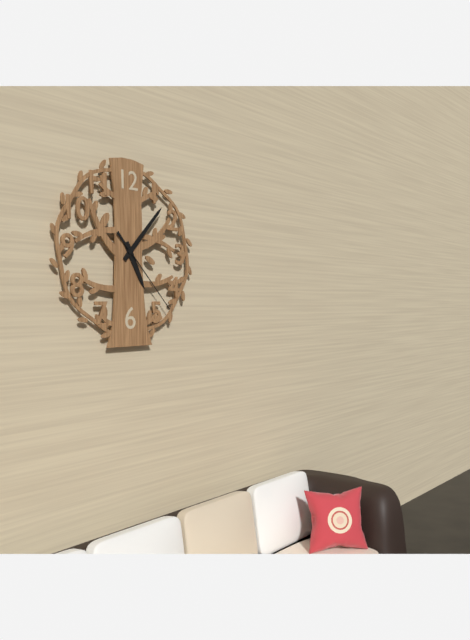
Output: 5h07m23s
